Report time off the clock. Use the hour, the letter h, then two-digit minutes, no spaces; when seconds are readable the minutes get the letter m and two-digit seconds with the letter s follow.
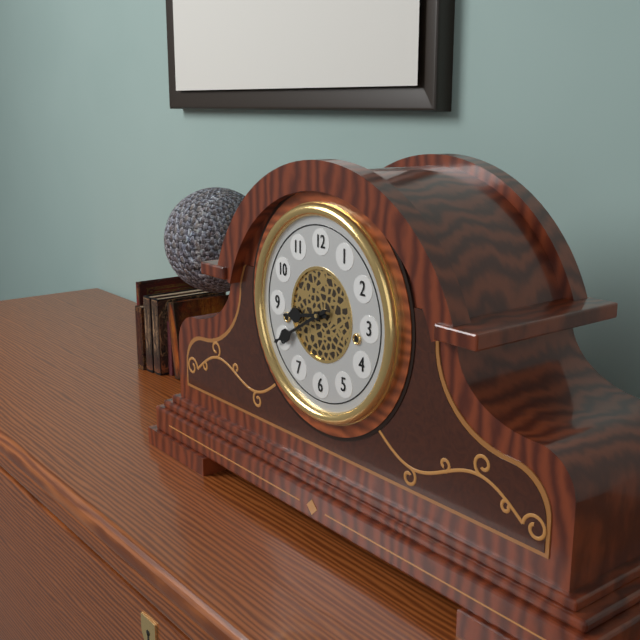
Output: 8h40
